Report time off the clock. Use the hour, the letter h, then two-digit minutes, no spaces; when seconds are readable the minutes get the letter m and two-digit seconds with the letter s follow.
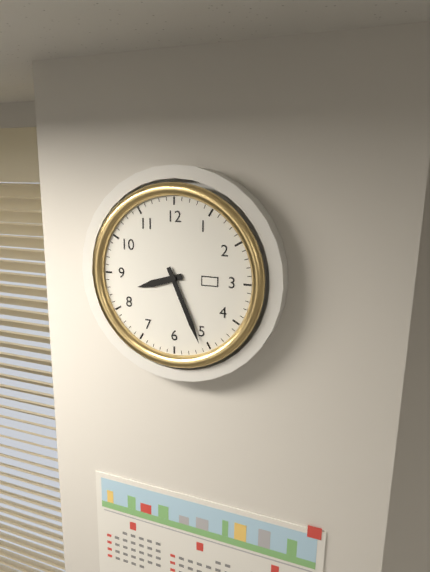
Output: 8h26
